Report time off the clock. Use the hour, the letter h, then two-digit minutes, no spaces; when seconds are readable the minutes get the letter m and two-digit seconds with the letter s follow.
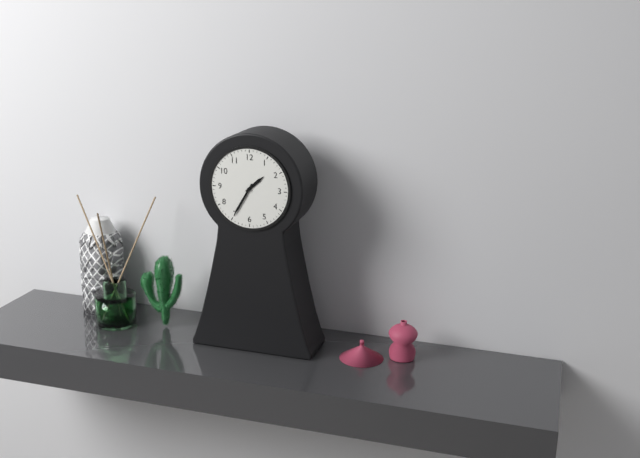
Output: 1h35
